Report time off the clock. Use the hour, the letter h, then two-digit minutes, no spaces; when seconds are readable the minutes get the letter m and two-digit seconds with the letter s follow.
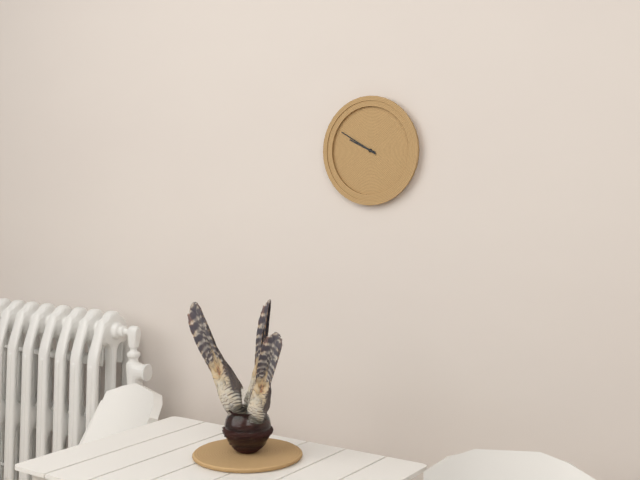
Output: 9h50
